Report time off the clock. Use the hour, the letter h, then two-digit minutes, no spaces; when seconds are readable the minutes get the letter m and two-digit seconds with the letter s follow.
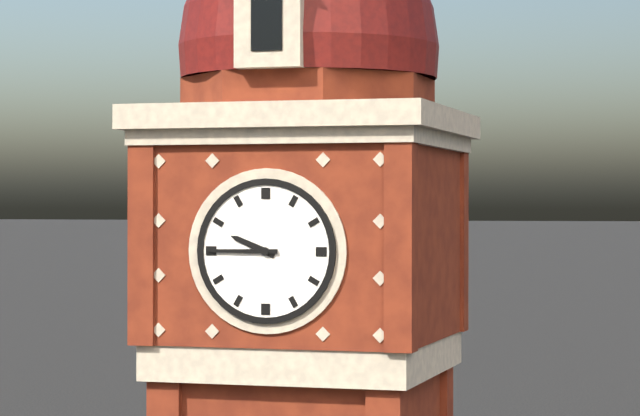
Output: 9h45
